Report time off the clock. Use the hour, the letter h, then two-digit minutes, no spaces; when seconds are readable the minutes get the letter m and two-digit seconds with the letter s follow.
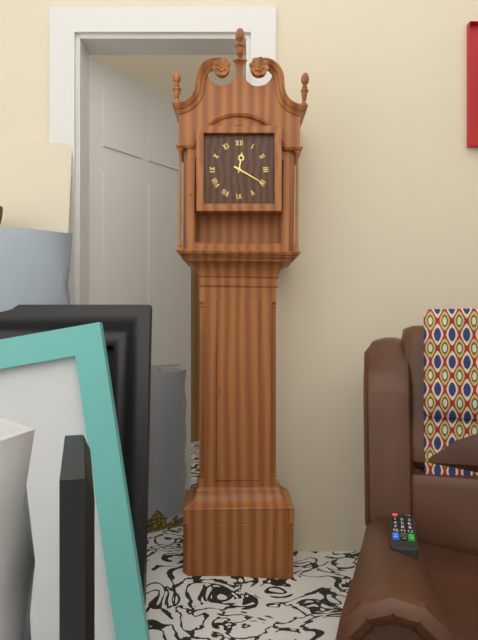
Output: 12h20
